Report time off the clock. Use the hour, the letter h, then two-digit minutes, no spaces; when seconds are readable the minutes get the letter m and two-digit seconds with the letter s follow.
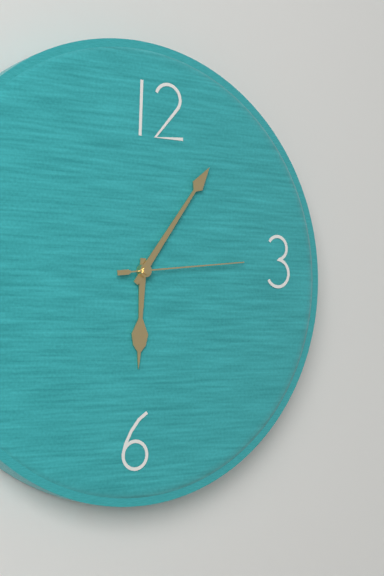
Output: 6h06m14s
